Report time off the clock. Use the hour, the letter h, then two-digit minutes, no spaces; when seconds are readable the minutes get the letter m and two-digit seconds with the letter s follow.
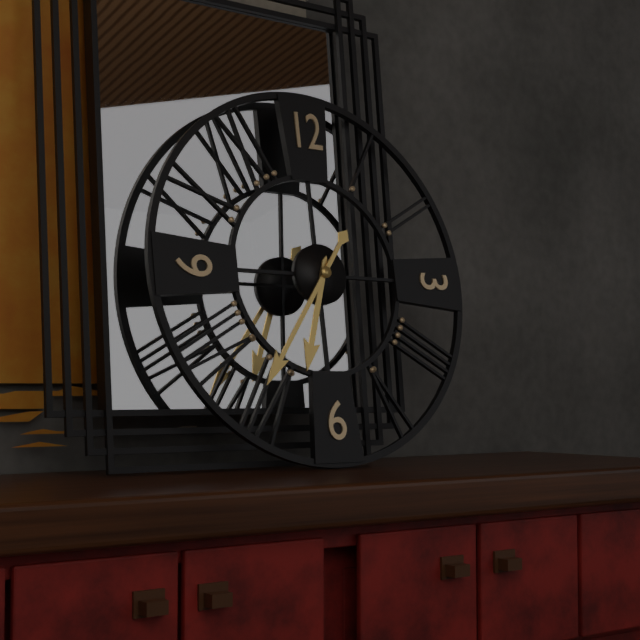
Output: 6h36
